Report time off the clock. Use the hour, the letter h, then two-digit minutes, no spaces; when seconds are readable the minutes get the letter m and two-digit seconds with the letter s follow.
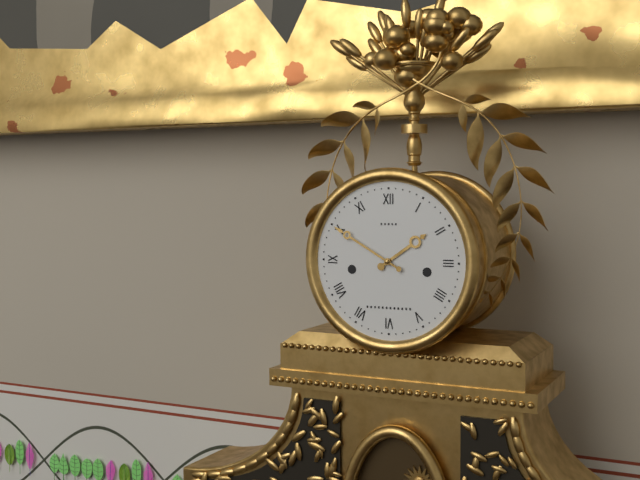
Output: 1h50
